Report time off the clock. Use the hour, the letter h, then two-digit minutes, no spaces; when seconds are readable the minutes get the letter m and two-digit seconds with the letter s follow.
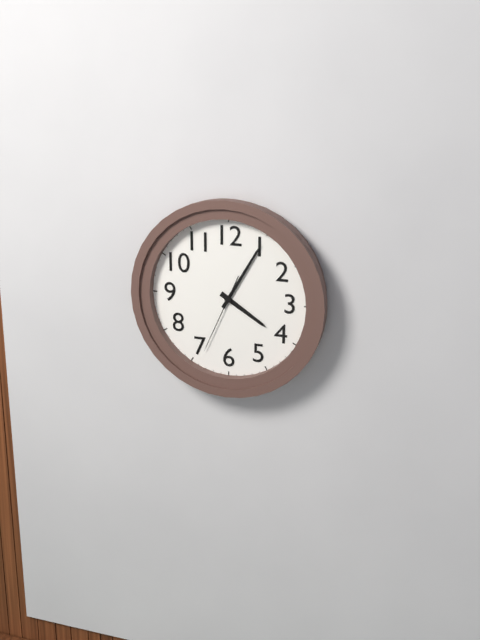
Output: 4h05m34s
